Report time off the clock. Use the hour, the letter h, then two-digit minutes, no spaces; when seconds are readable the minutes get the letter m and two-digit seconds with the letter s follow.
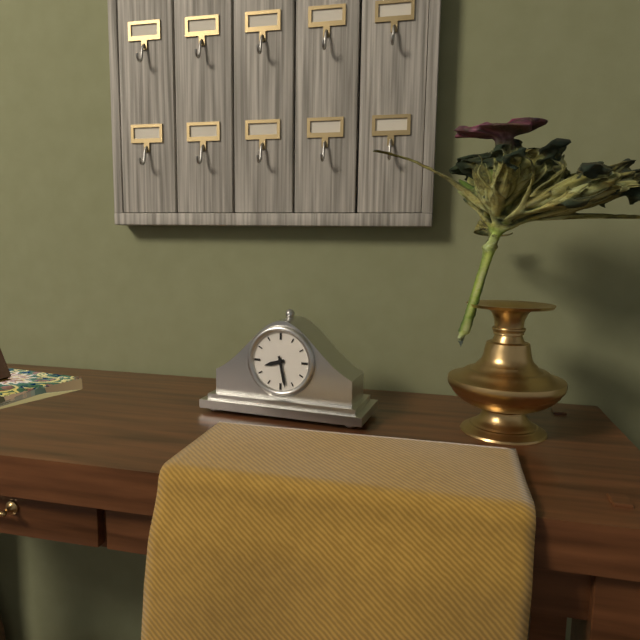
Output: 8h28
